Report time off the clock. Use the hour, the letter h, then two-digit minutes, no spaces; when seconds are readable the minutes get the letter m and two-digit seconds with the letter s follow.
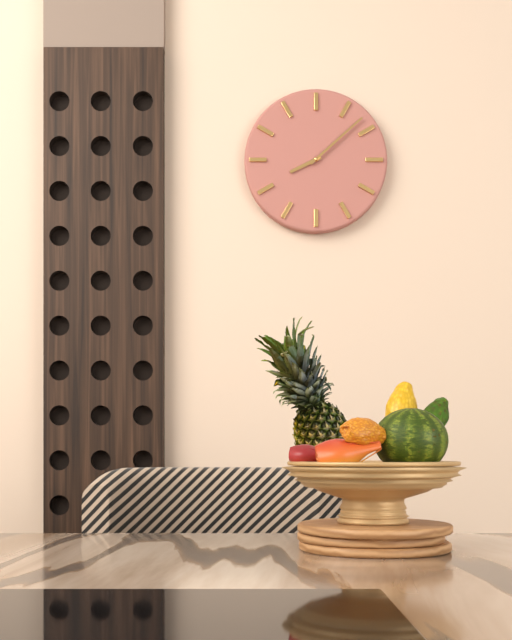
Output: 8h08
